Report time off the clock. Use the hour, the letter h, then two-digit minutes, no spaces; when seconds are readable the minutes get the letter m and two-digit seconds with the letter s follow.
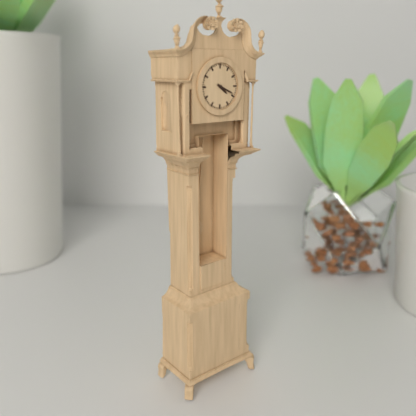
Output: 4h19
